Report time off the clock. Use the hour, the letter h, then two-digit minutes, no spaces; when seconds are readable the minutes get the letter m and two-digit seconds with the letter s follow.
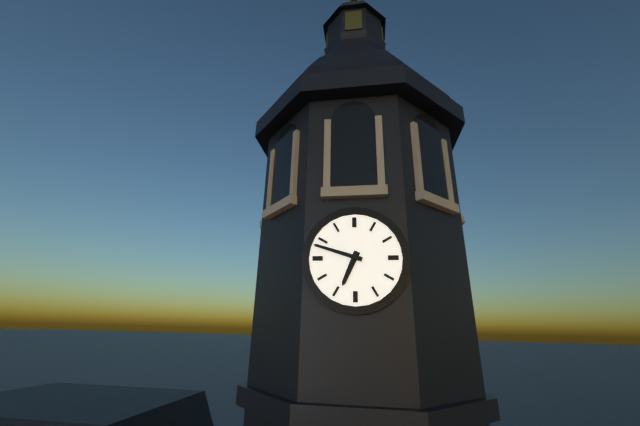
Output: 6h48
